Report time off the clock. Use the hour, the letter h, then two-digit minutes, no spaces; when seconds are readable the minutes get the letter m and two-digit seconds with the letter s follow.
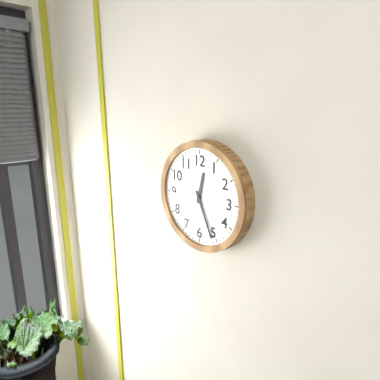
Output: 12h26
